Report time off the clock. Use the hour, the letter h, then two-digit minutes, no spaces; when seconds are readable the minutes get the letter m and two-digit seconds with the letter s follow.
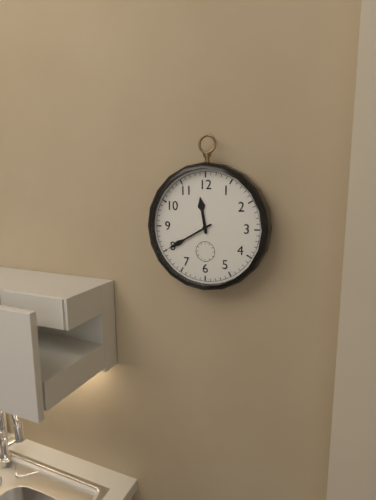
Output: 11h40
